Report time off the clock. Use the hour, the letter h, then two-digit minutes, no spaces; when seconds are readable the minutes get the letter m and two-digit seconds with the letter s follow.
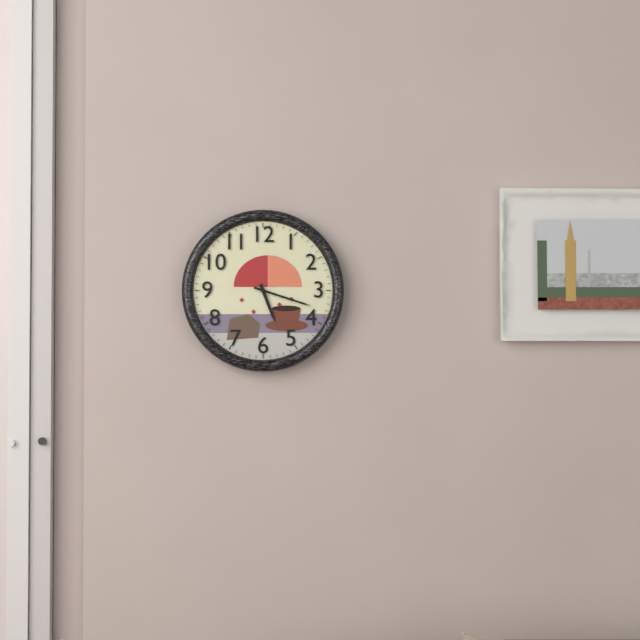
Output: 5h18
